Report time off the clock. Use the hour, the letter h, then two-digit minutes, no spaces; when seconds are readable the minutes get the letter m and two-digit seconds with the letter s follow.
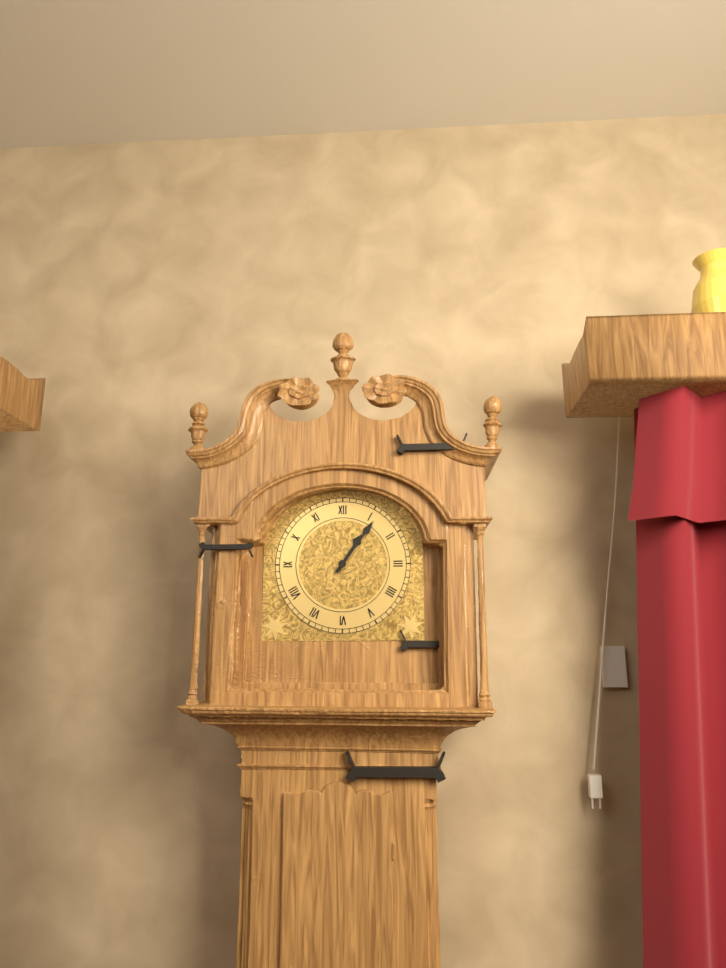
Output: 1h06
